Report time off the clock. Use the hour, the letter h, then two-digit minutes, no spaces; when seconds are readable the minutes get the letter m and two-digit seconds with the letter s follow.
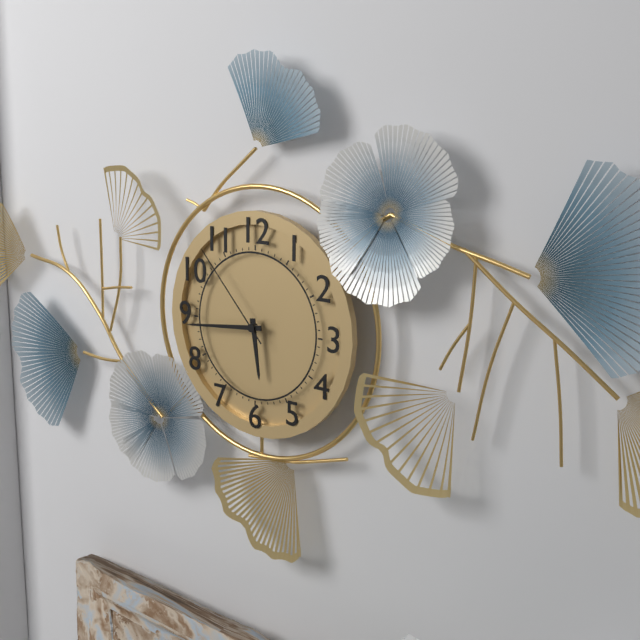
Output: 5h44m53s
